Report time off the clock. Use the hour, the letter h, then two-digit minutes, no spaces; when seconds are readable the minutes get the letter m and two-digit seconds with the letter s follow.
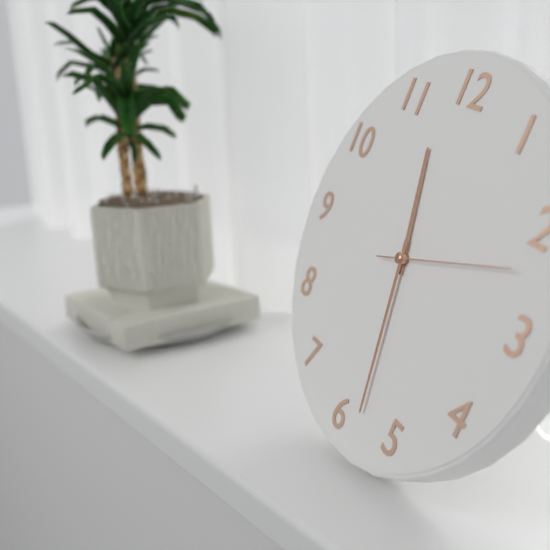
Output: 11h28m12s
